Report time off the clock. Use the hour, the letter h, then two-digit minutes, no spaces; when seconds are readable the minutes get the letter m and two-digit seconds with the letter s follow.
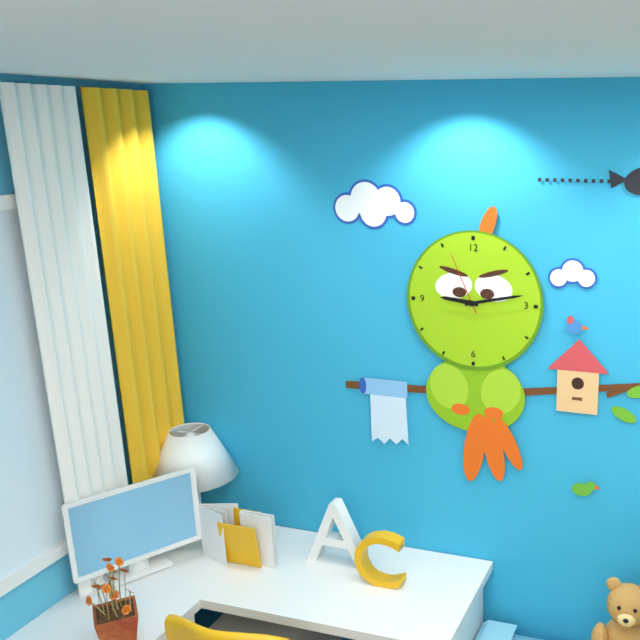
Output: 9h13m56s
